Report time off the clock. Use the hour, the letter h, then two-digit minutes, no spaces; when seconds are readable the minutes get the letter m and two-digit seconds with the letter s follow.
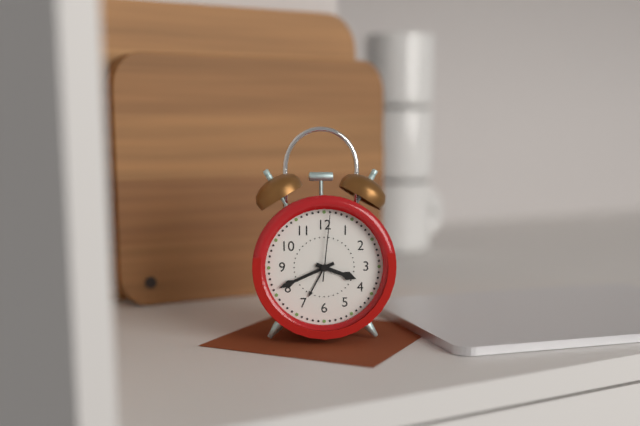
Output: 3h41m01s
